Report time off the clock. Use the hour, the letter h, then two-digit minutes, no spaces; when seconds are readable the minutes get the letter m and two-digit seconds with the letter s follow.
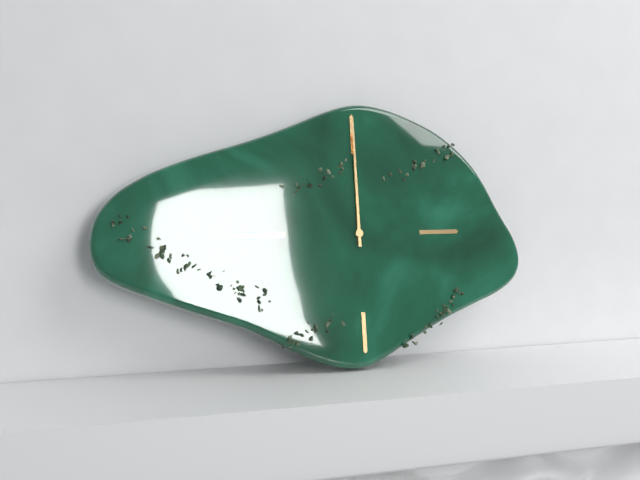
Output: 12h00
